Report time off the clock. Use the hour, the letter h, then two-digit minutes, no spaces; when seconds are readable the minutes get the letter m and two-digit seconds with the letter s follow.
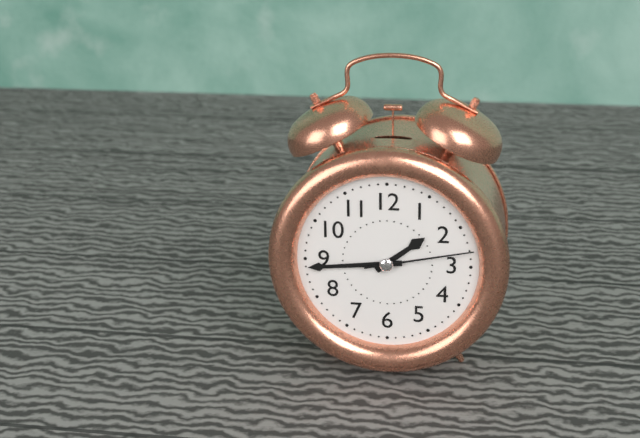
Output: 1h44m13s
